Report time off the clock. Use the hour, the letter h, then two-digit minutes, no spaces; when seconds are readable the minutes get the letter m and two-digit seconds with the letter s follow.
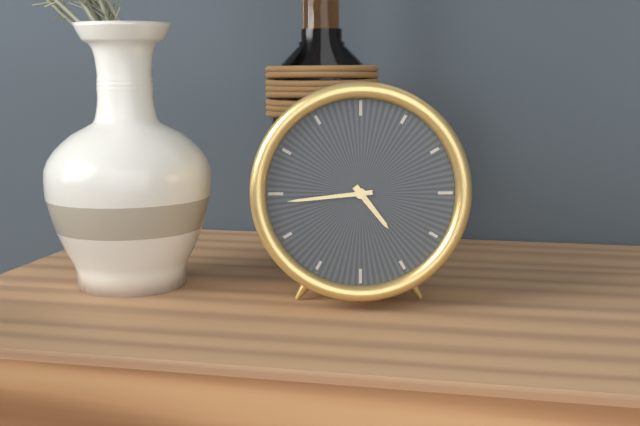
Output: 4h44
